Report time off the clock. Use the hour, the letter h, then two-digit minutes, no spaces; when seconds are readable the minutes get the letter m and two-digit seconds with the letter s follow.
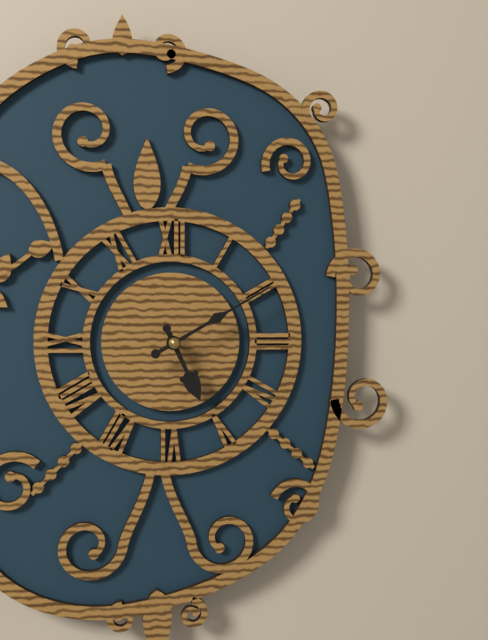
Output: 5h10
